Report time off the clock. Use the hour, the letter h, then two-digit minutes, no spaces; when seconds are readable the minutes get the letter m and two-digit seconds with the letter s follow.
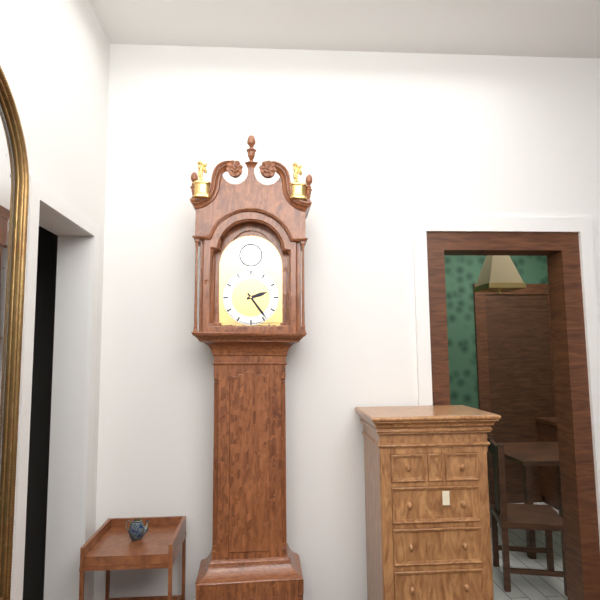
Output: 2h24
